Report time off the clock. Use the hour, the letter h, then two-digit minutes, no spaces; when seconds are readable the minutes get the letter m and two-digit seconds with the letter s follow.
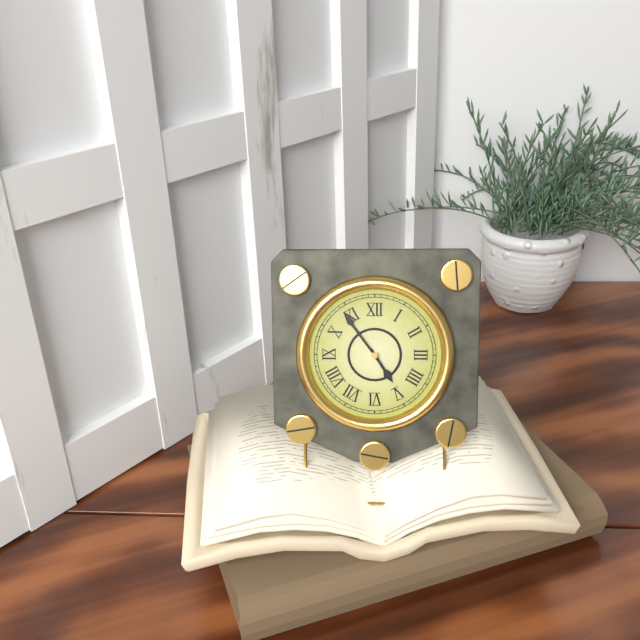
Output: 4h54
